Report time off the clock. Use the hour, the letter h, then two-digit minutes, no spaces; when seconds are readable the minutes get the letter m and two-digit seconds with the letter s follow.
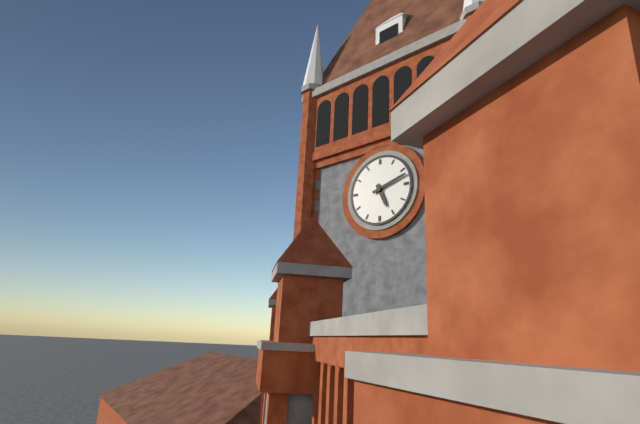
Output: 5h12
